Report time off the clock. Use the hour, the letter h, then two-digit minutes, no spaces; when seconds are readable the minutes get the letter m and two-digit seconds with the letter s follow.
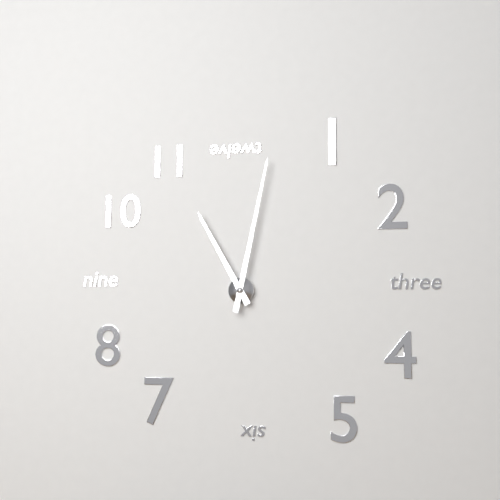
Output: 11h02
